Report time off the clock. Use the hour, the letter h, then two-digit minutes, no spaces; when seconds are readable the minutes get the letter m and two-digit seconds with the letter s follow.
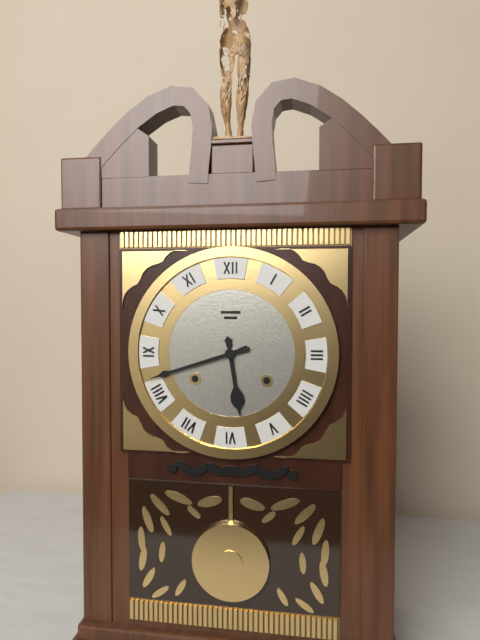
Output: 5h42
